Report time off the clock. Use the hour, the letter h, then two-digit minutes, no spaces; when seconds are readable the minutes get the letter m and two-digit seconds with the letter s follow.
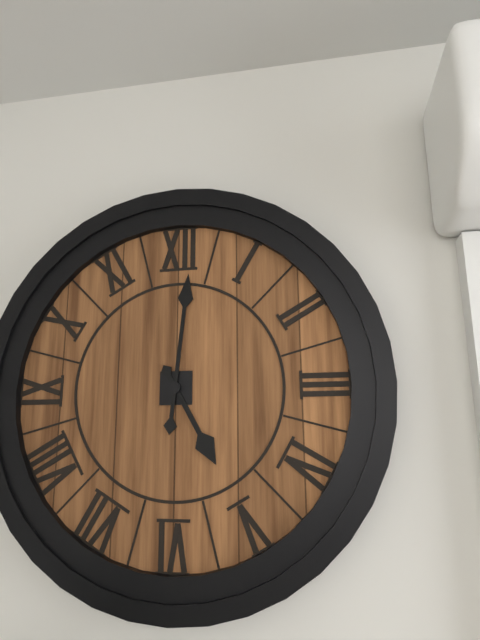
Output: 5h01
